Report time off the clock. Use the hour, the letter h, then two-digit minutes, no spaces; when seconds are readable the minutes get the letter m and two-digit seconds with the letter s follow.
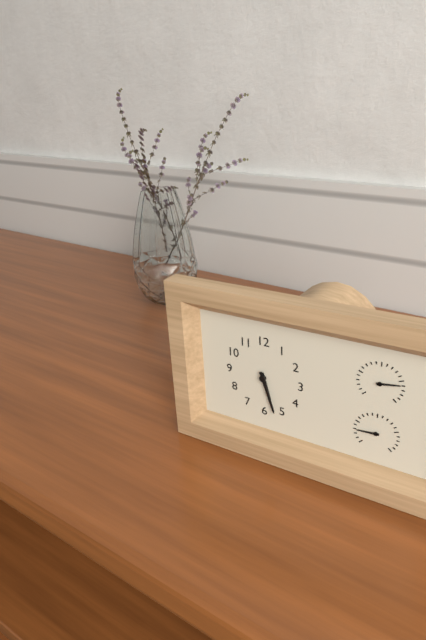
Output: 5h27
